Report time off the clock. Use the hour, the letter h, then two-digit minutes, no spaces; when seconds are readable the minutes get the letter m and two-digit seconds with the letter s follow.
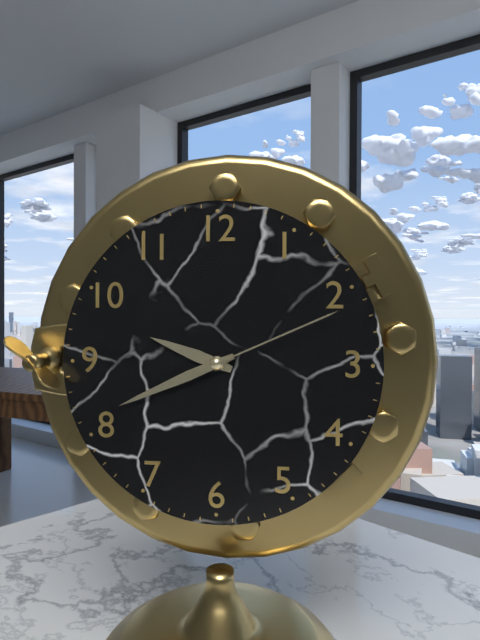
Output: 9h41m11s
